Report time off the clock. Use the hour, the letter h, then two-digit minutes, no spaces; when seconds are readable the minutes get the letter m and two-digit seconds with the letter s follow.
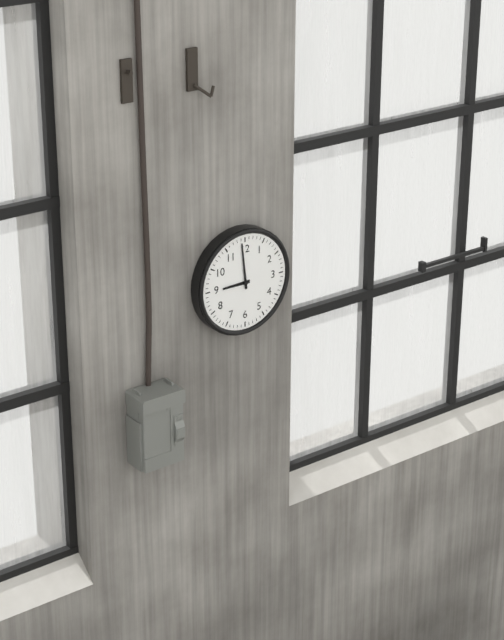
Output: 8h59
